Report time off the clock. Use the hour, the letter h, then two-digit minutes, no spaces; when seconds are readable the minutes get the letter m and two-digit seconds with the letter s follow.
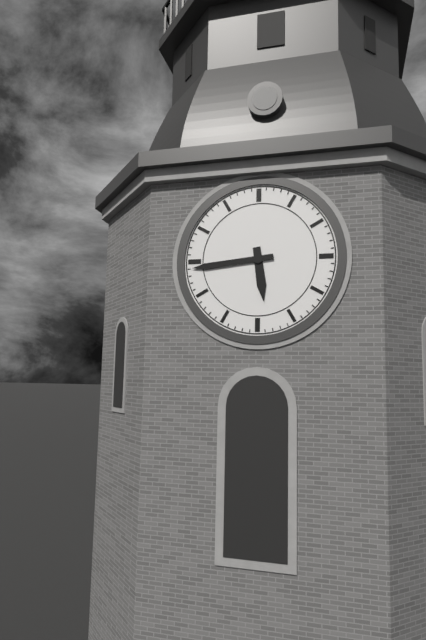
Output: 5h44
